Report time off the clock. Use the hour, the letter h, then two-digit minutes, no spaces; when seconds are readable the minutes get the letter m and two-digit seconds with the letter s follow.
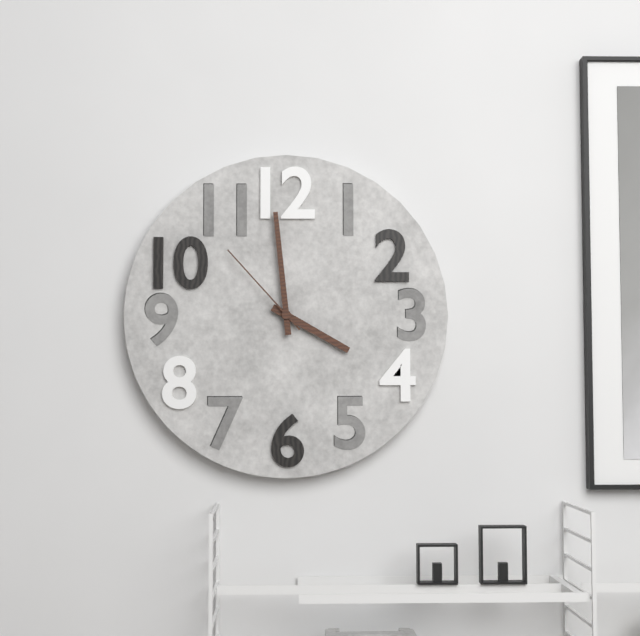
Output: 3h59m53s
